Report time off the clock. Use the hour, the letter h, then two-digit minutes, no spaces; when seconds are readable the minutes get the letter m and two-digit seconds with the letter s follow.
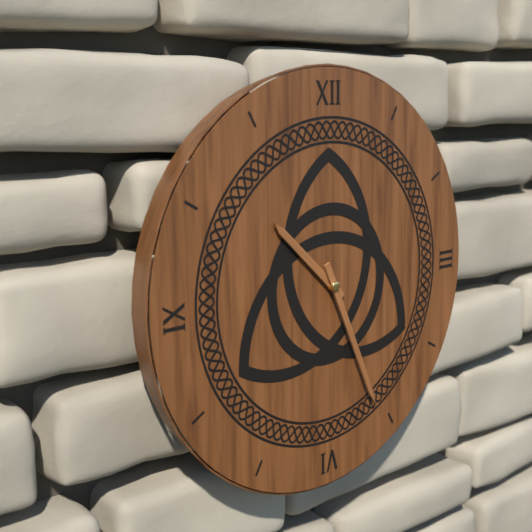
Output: 10h26
